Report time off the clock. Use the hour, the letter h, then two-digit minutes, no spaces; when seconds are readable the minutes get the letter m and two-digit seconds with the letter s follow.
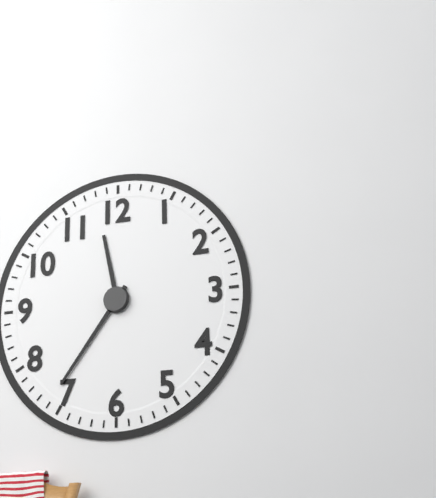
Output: 11h36
